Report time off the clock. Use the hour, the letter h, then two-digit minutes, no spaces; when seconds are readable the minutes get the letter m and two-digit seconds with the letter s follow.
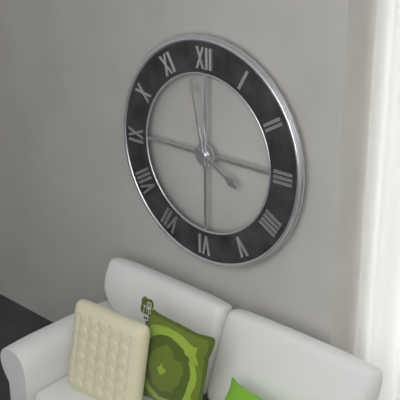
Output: 3h58
